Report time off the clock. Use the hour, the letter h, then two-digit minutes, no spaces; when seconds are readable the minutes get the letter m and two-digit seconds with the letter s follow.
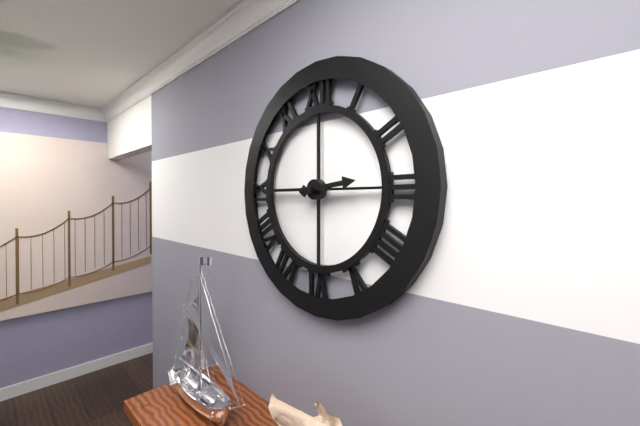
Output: 2h45
